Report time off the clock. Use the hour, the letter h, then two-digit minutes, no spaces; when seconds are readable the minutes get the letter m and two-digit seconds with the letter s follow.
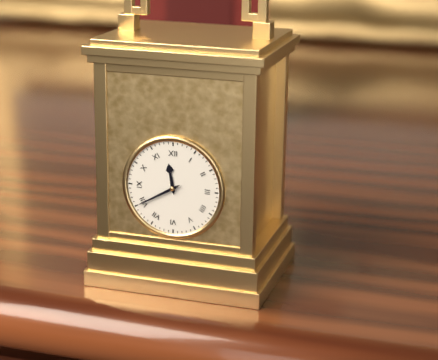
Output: 11h40
